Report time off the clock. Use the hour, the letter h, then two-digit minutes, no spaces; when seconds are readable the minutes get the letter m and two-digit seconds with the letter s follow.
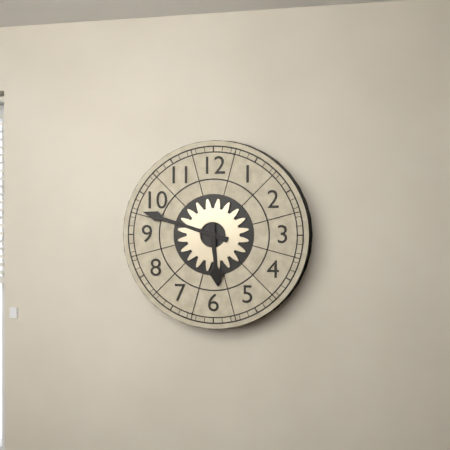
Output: 5h48
